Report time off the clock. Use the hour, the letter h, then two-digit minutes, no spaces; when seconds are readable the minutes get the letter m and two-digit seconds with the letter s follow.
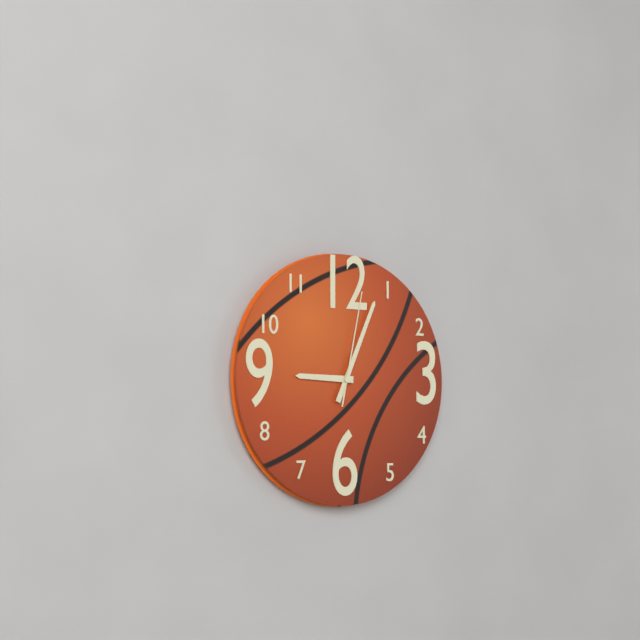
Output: 9h04m02s
